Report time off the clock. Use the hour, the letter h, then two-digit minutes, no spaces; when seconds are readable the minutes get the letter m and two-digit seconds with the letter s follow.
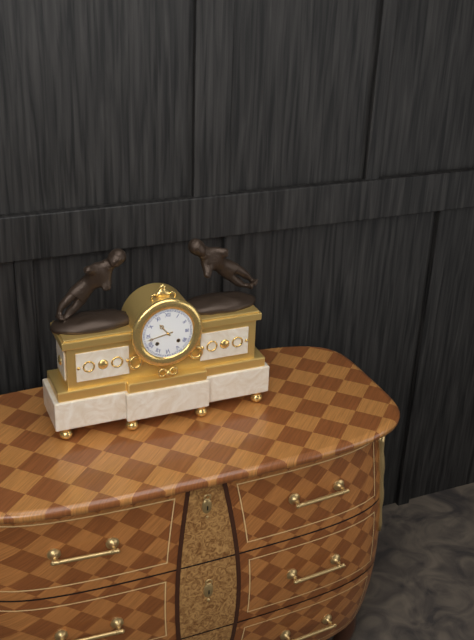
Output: 10h43
